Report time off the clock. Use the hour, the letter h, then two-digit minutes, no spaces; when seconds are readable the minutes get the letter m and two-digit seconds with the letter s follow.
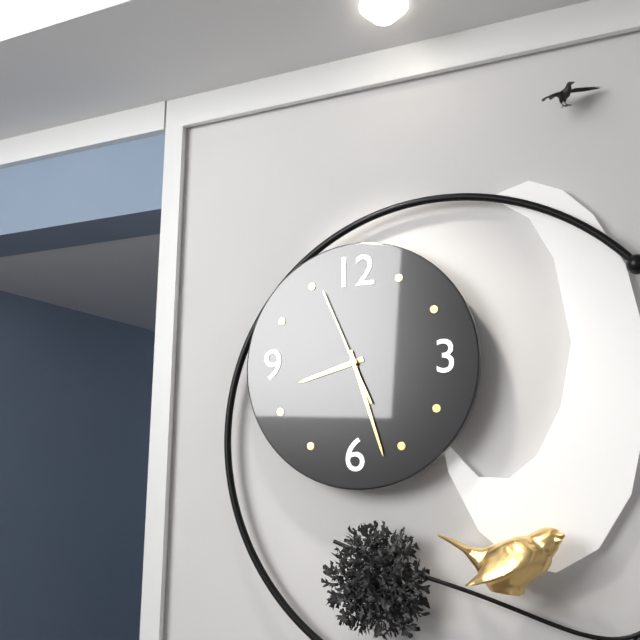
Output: 8h27m56s
